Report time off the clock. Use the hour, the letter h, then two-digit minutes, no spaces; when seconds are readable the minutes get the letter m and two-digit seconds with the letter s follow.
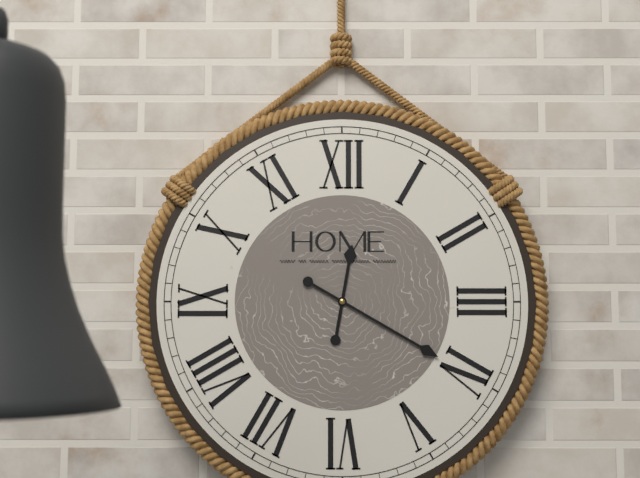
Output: 12h20
